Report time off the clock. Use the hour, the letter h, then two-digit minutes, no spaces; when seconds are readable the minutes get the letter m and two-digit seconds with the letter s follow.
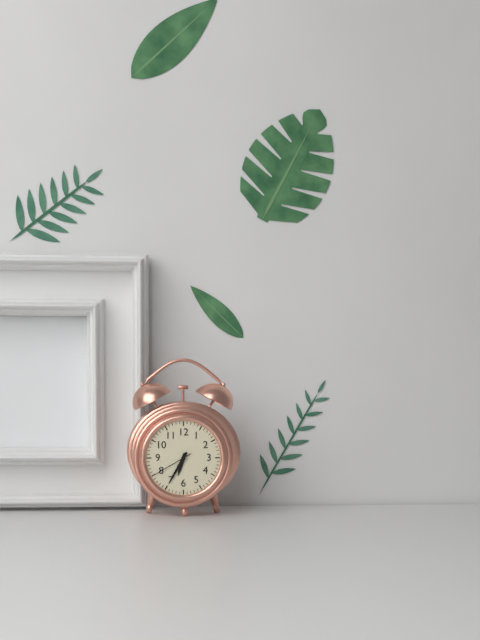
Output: 6h35
